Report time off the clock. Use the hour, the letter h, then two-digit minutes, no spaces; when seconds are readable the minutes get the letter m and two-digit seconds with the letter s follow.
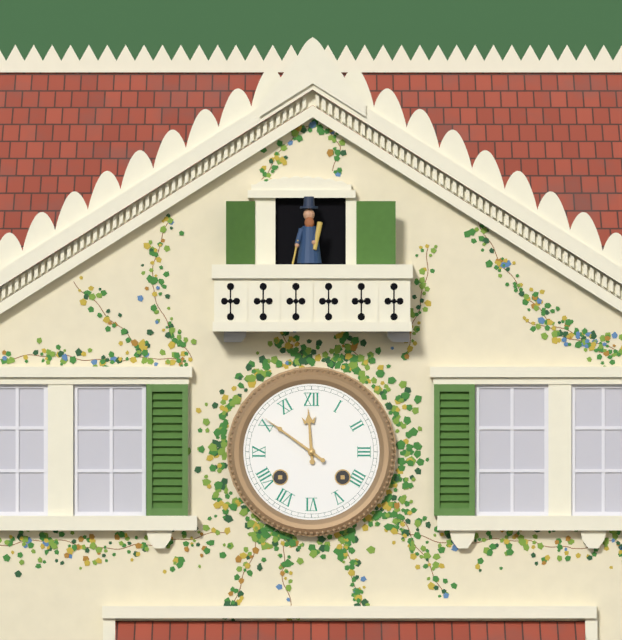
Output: 11h51
